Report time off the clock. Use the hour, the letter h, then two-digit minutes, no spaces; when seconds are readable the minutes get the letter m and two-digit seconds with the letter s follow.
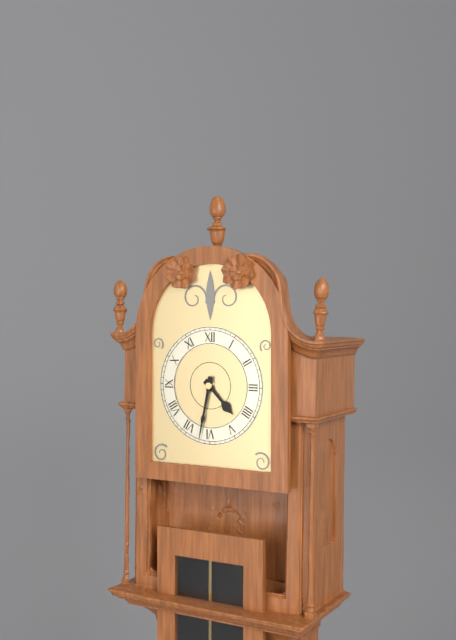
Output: 4h32
